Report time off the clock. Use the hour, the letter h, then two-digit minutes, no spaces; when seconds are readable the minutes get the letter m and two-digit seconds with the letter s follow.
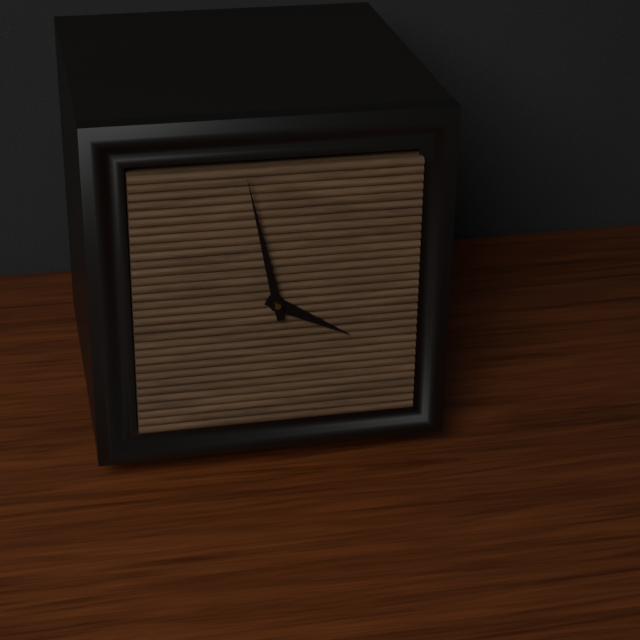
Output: 3h58
